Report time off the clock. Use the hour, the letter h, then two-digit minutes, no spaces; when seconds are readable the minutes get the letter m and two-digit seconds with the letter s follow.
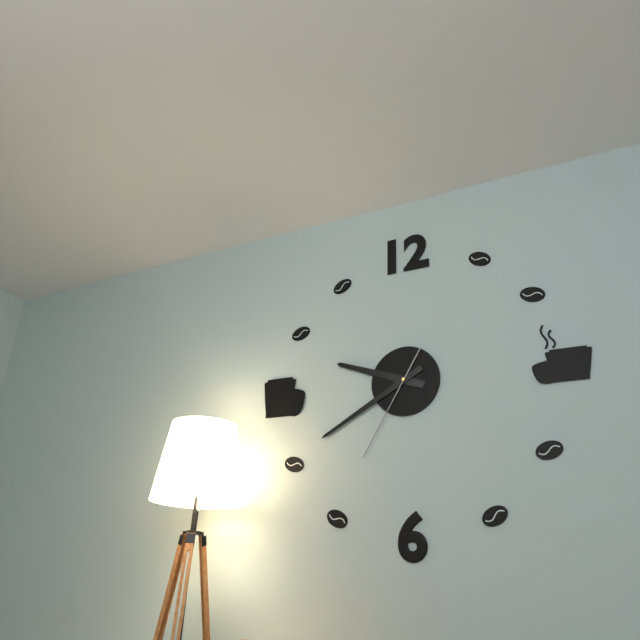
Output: 9h40m35s
